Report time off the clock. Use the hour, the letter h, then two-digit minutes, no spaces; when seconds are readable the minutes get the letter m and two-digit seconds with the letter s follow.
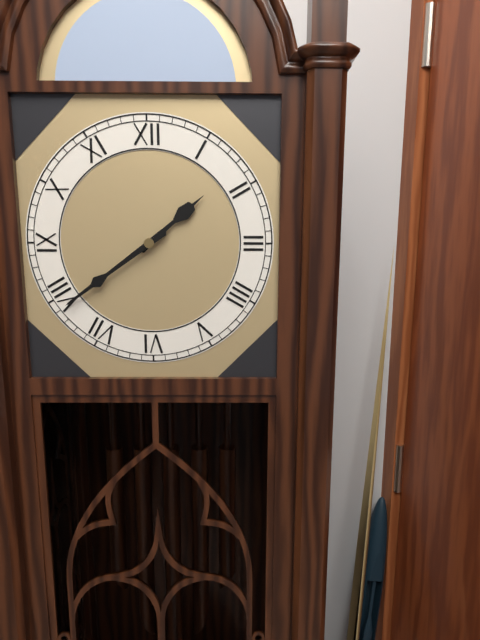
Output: 1h39
